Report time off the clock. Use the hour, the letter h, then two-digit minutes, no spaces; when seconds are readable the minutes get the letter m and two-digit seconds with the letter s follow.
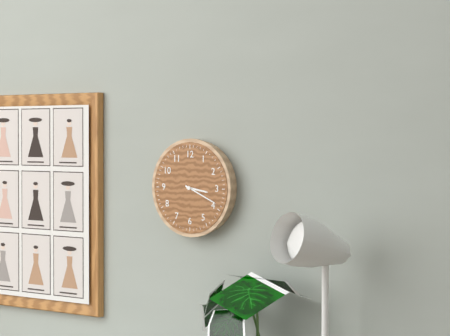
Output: 3h19
